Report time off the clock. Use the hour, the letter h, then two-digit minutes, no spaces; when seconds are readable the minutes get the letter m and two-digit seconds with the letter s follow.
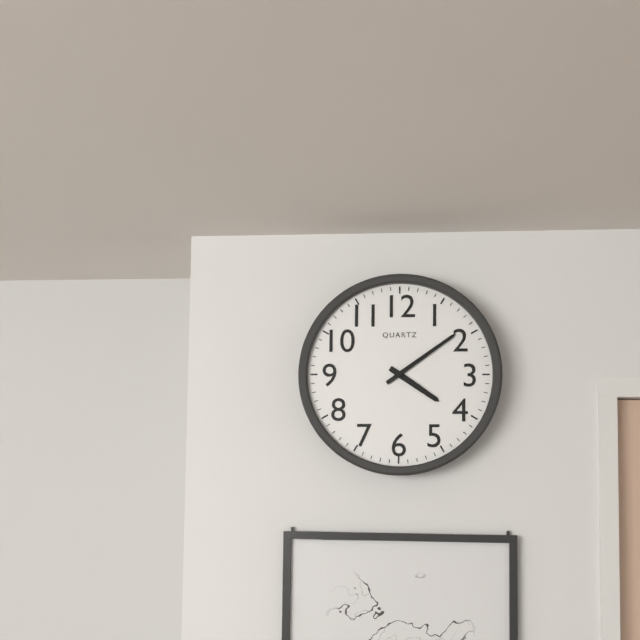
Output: 4h09
